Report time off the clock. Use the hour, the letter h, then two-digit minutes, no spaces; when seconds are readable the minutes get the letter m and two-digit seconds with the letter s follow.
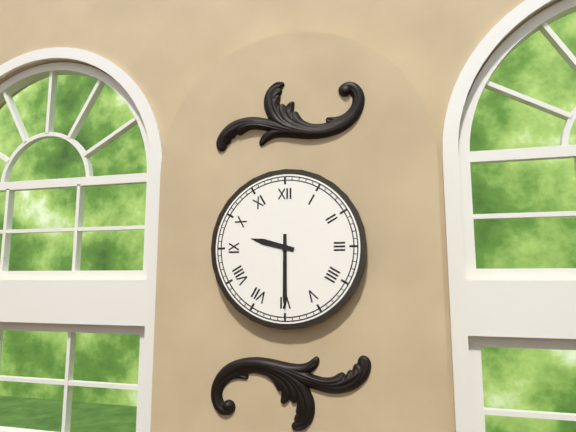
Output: 9h30
